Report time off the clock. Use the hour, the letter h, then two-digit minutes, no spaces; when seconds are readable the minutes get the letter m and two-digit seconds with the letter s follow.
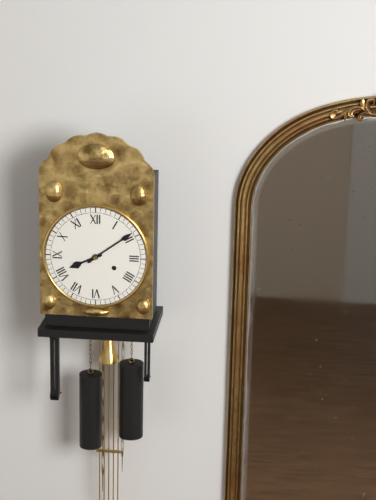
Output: 8h09
